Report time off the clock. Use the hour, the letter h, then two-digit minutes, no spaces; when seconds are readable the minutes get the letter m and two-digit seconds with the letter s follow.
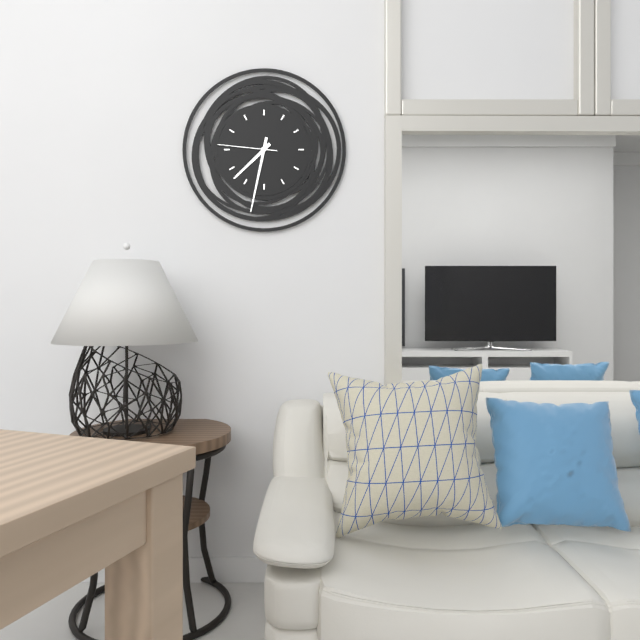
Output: 7h32m46s
